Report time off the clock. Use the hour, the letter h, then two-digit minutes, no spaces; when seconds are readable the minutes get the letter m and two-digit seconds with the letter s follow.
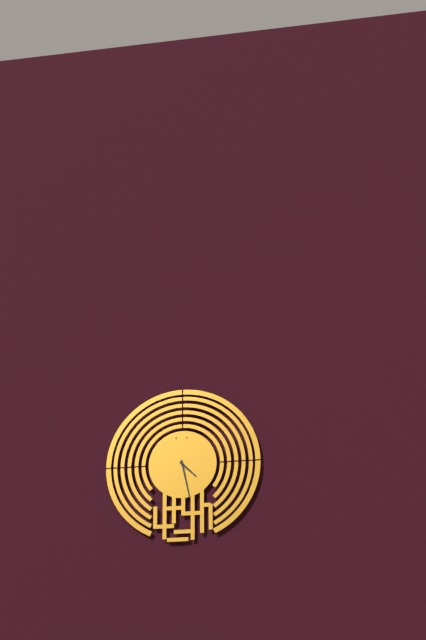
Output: 4h28
